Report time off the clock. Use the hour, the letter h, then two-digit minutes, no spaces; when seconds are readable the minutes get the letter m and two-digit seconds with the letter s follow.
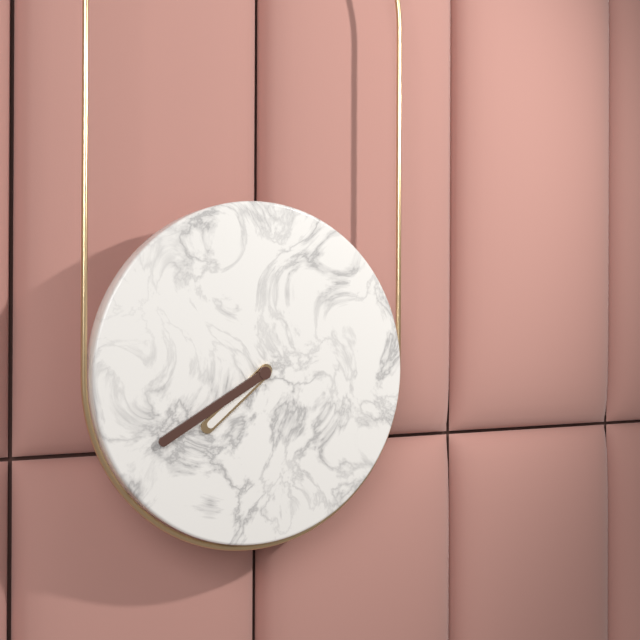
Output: 7h40
